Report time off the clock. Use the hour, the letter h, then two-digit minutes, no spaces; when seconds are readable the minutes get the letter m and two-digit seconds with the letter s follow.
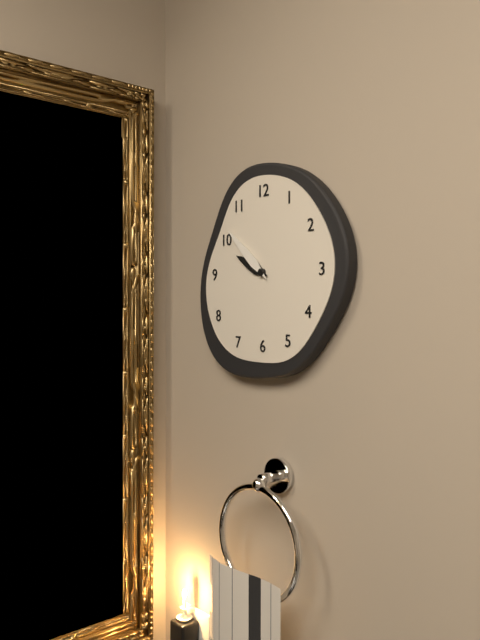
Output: 9h52
